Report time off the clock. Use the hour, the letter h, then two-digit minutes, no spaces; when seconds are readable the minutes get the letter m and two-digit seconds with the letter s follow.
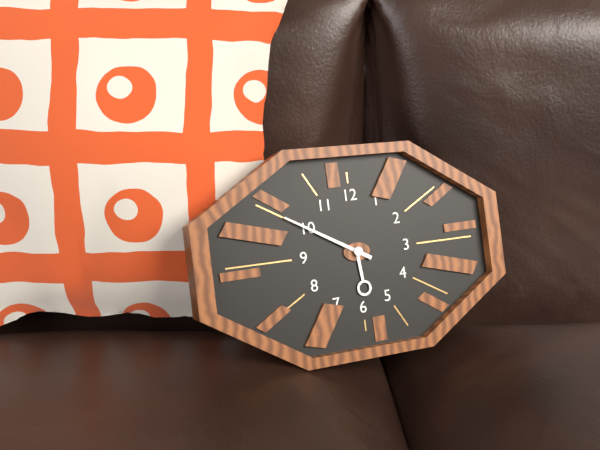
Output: 5h50
